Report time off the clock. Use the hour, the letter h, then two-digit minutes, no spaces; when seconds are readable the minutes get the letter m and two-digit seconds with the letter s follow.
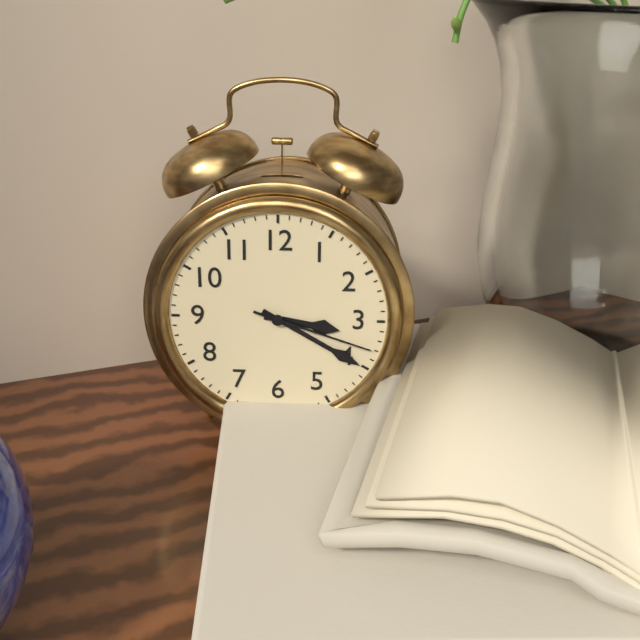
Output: 3h20m18s
